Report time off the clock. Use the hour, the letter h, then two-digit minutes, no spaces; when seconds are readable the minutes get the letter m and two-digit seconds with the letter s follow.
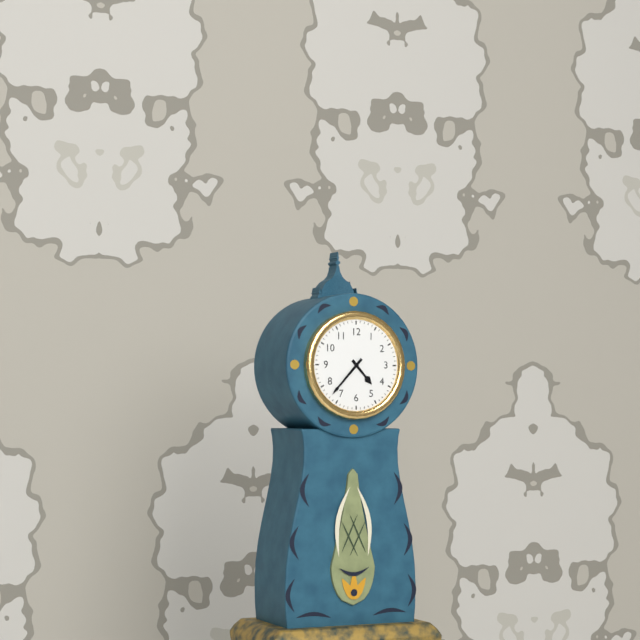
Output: 4h37
